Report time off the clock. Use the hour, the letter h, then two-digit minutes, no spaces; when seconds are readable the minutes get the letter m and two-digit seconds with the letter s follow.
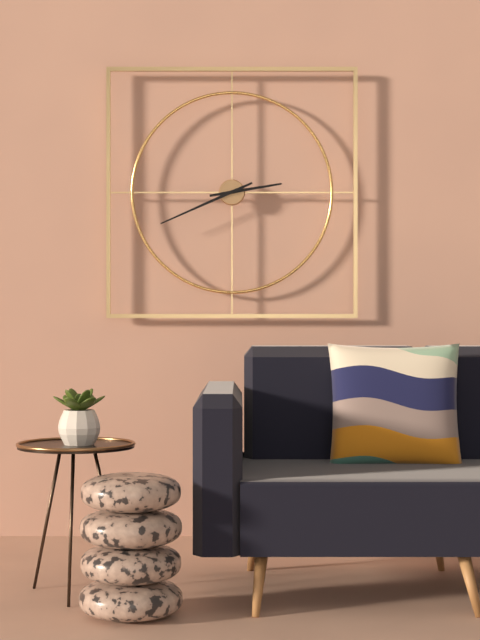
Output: 2h41
